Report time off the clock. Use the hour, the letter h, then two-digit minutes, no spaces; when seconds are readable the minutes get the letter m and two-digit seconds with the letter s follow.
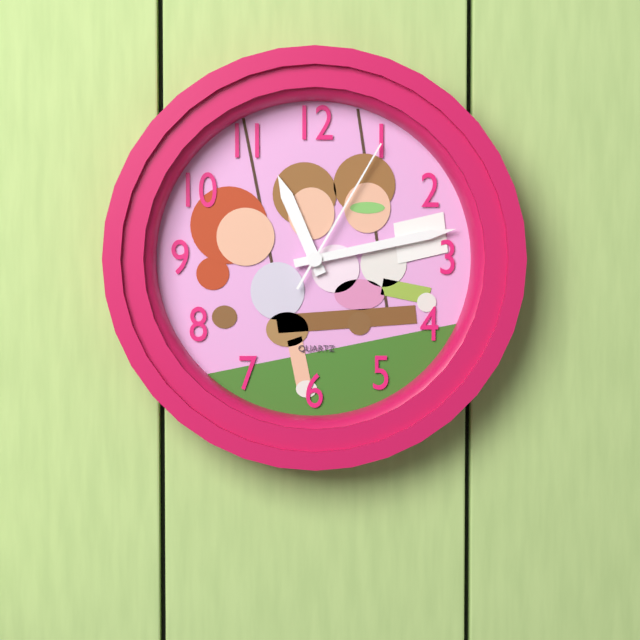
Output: 11h13m05s
